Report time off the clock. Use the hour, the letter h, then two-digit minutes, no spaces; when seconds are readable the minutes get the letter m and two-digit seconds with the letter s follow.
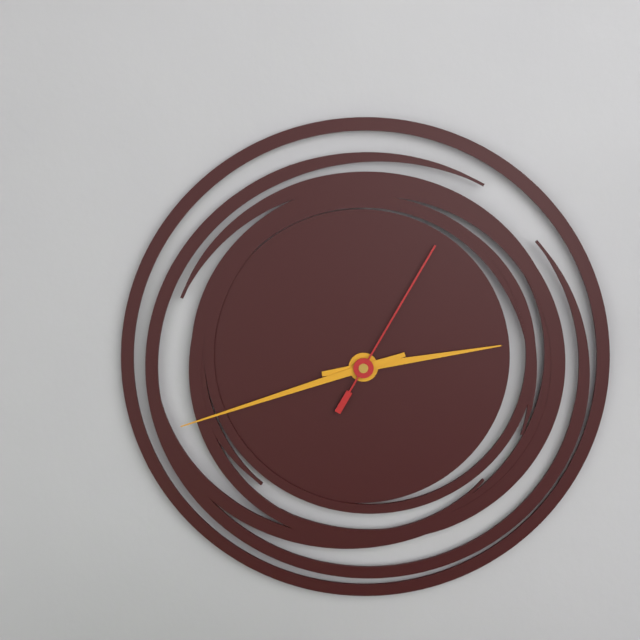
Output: 2h42m05s
